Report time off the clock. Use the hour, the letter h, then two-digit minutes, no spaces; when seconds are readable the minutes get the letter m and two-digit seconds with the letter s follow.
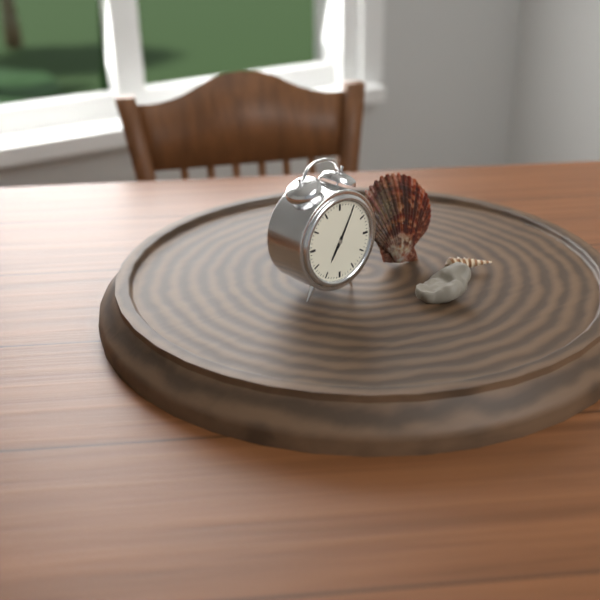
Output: 7h05
